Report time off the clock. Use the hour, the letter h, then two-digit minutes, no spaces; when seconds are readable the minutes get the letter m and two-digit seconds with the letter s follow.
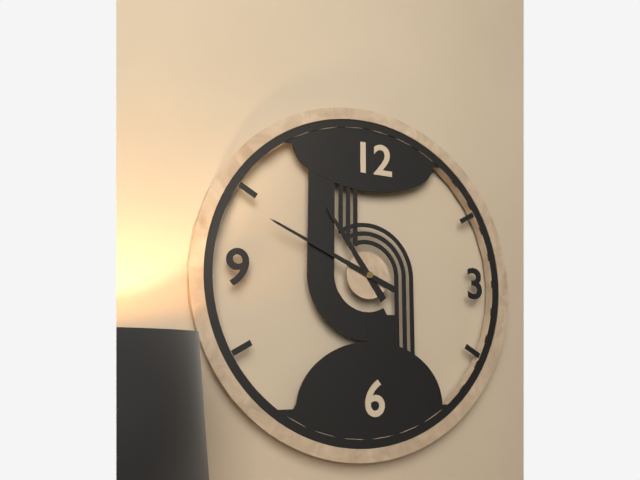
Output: 10h49
